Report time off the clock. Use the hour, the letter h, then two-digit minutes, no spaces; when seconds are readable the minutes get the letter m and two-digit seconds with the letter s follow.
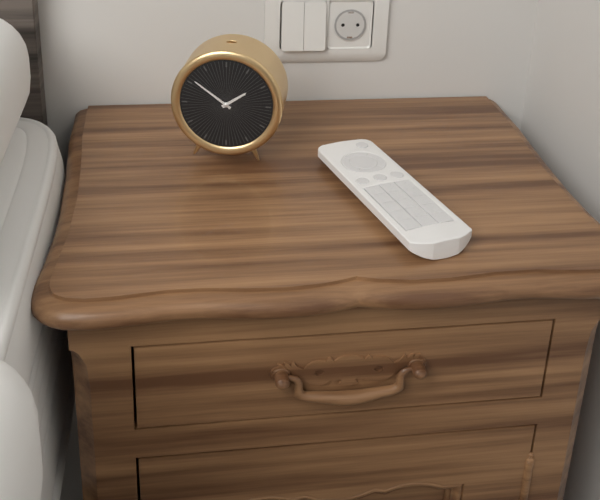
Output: 1h51
